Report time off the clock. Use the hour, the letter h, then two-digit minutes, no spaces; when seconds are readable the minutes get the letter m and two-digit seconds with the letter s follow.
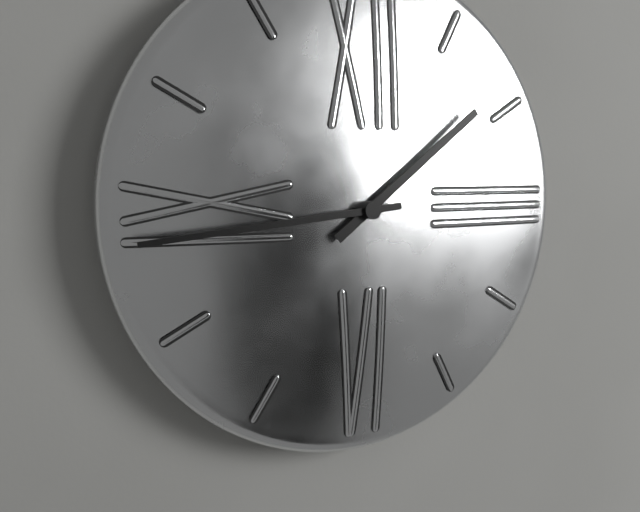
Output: 1h44
